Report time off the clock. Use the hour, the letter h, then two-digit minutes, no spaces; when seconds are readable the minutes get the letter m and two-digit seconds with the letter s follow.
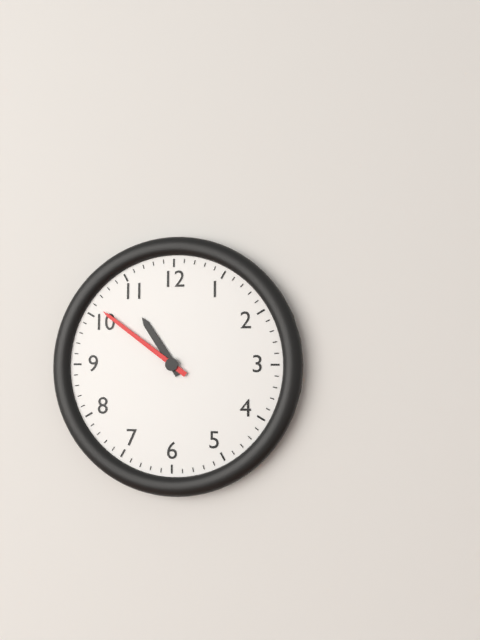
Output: 10h51
